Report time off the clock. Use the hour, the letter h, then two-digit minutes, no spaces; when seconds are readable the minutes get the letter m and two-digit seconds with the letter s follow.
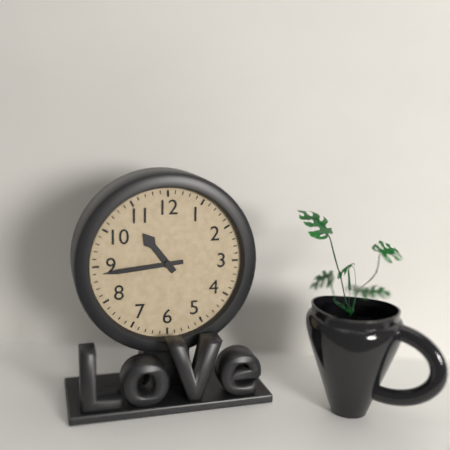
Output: 10h44
